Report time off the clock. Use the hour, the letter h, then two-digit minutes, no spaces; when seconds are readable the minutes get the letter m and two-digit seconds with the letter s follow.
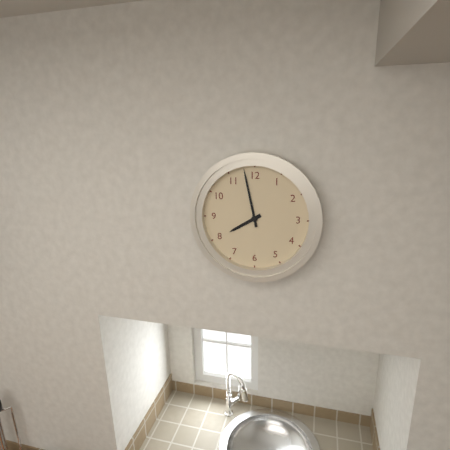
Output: 7h58
